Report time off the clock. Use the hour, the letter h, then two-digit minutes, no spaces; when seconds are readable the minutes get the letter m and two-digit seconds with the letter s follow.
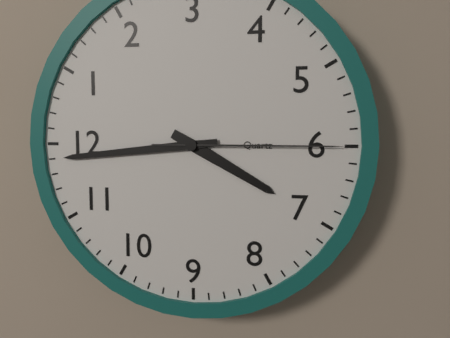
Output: 6h59m30s
